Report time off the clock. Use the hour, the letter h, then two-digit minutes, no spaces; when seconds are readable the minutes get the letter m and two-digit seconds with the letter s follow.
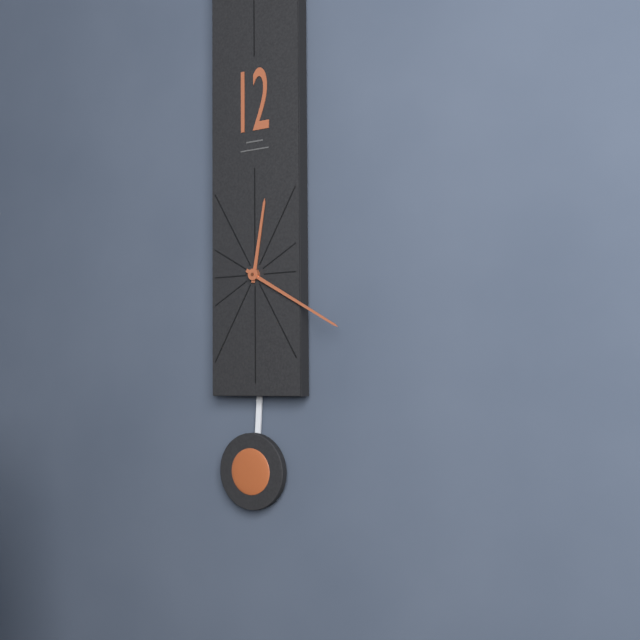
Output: 12h20
